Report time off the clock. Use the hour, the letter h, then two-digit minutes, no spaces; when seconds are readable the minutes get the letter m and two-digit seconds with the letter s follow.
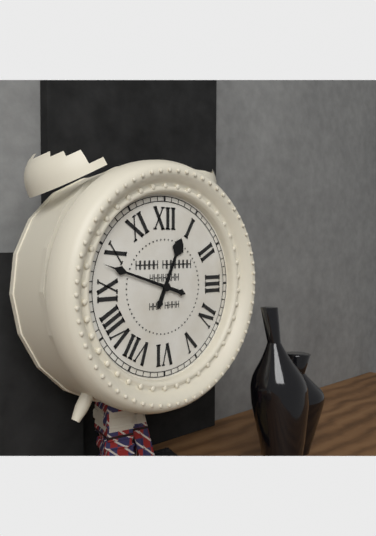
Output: 12h48
